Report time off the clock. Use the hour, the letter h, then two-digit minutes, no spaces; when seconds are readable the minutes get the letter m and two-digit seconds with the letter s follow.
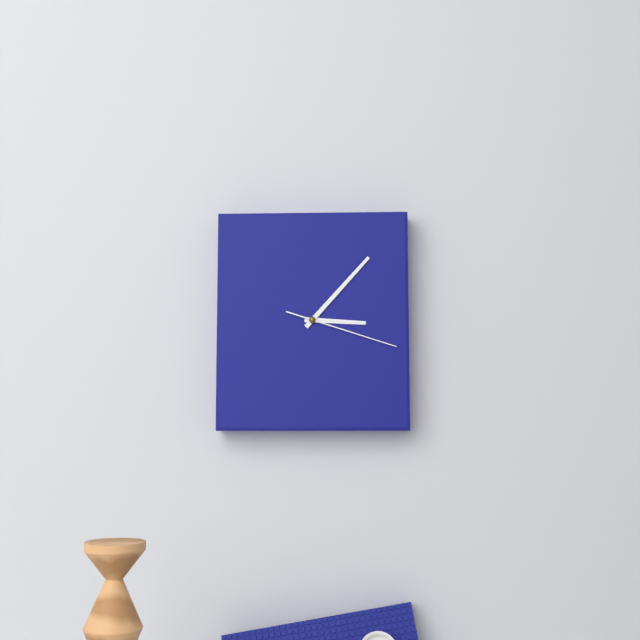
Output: 3h07m18s
